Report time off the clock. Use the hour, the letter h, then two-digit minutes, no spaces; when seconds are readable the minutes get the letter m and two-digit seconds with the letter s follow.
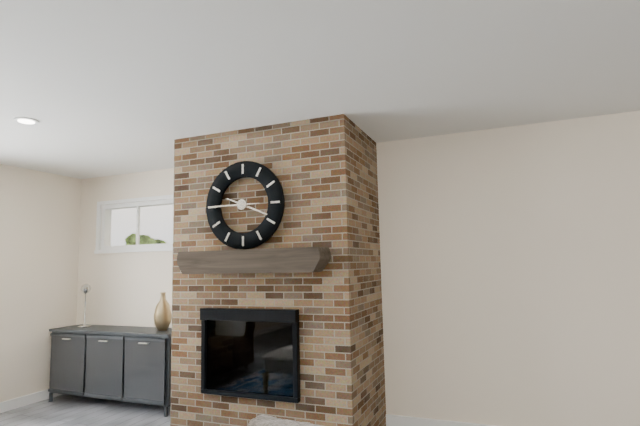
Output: 3h45
